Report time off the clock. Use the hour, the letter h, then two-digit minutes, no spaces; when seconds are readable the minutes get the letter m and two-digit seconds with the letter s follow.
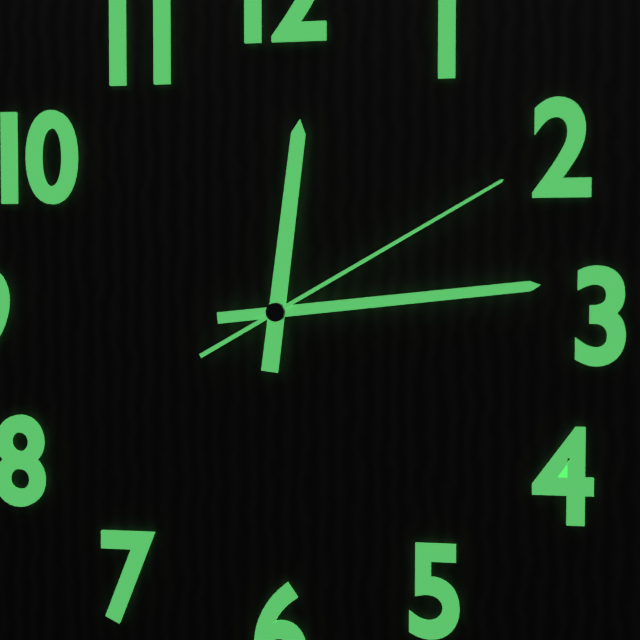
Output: 12h14m10s
